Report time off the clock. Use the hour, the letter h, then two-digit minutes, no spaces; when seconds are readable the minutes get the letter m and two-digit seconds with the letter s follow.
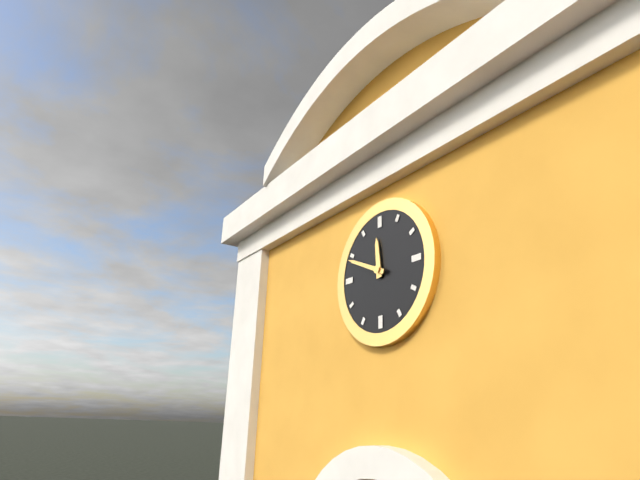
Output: 11h49
